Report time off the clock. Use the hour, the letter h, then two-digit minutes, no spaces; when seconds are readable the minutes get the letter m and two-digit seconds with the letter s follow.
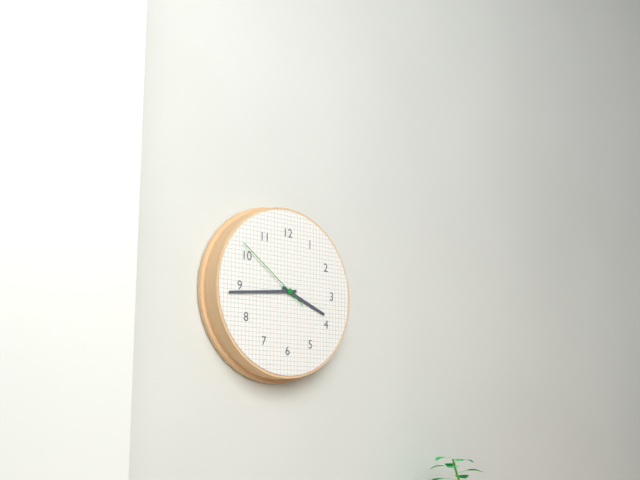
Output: 3h44m51s
